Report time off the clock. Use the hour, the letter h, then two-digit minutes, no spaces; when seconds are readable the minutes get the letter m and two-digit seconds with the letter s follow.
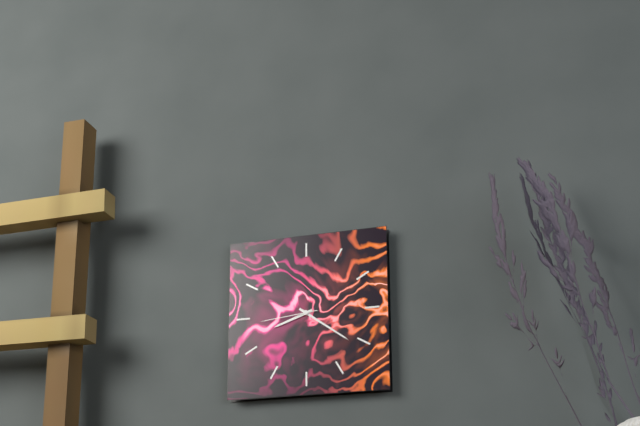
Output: 8h21m44s
